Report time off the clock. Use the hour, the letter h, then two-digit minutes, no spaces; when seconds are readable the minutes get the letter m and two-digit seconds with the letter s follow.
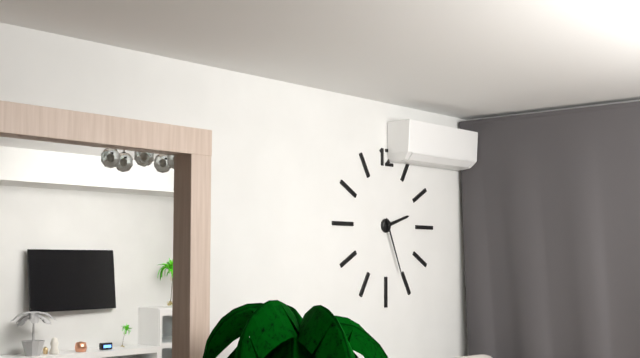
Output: 2h26
